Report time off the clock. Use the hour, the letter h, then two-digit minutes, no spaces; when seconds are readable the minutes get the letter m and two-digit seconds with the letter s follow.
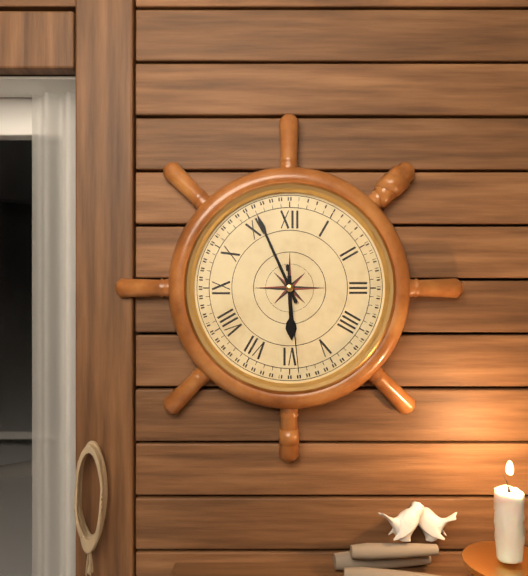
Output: 5h56m29s
